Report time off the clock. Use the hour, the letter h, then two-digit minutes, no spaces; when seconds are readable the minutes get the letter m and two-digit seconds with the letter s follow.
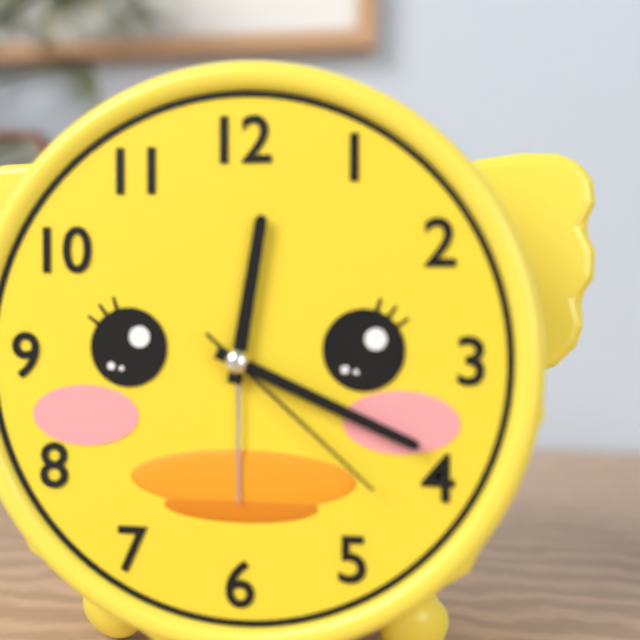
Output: 12h19m22s
